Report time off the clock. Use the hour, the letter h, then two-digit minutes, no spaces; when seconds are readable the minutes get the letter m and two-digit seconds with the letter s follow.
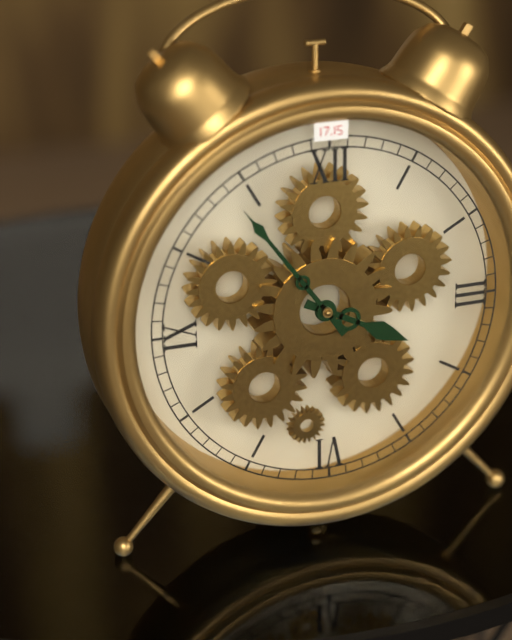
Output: 3h54
